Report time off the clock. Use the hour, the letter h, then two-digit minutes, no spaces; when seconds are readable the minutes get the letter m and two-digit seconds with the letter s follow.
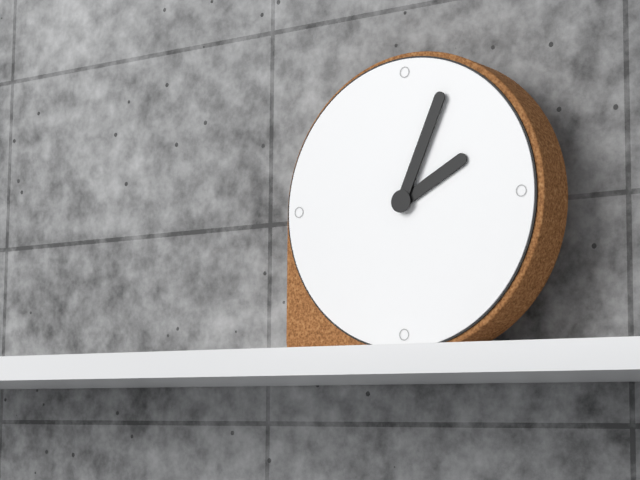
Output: 2h04
